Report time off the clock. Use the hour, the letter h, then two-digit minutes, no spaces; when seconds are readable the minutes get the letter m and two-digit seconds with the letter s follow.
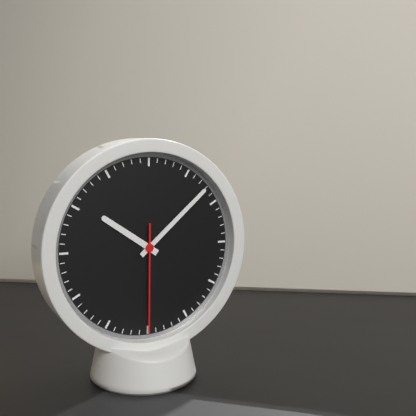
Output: 10h08m30s
